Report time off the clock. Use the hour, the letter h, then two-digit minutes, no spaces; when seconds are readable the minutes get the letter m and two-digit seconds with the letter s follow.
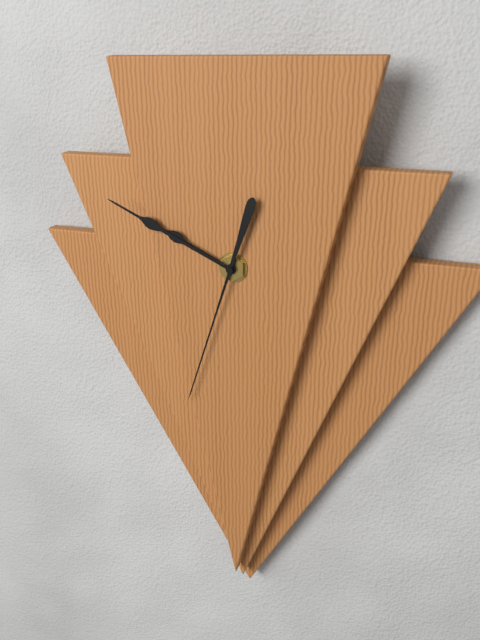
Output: 9h49m33s
